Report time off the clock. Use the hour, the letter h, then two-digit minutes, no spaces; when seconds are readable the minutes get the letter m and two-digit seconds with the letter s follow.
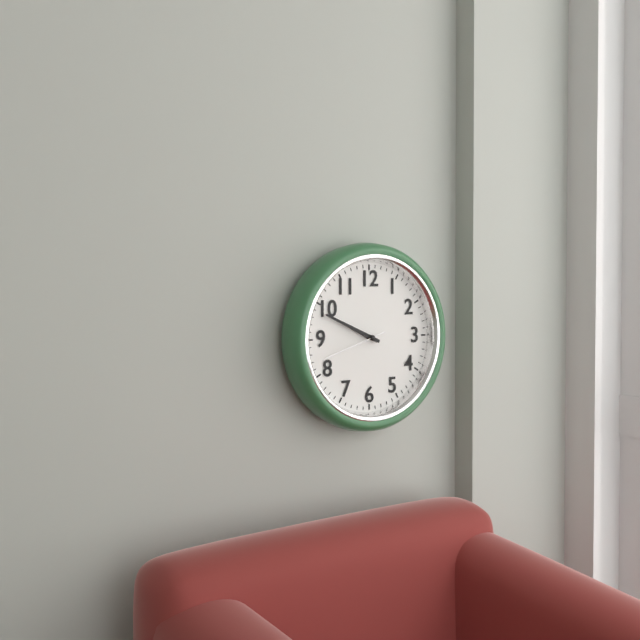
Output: 9h49m42s
